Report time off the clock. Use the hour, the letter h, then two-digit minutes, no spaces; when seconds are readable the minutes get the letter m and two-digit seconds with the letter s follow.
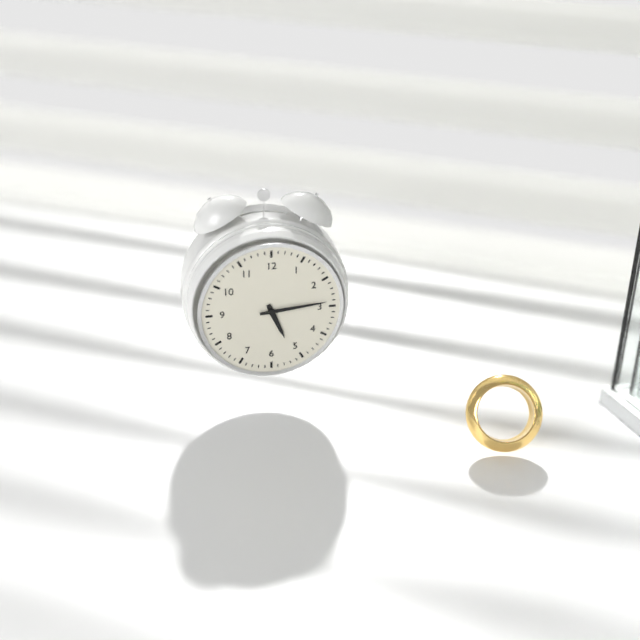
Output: 5h14
